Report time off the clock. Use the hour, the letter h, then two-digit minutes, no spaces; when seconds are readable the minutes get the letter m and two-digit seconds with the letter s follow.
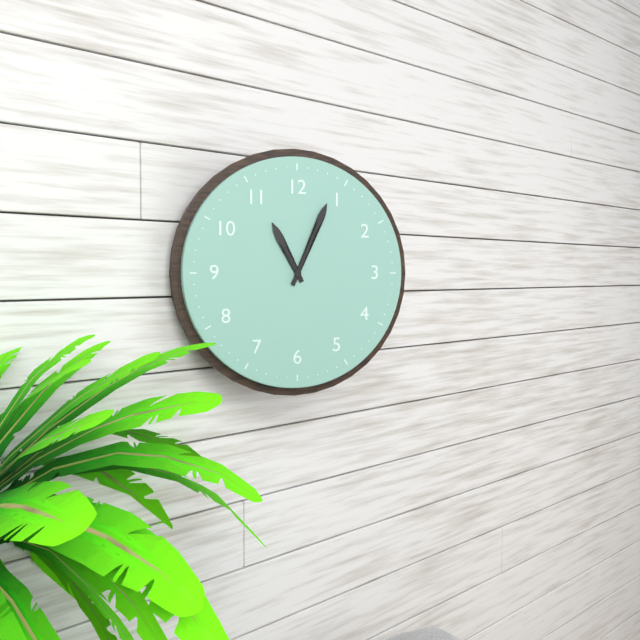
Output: 11h04
